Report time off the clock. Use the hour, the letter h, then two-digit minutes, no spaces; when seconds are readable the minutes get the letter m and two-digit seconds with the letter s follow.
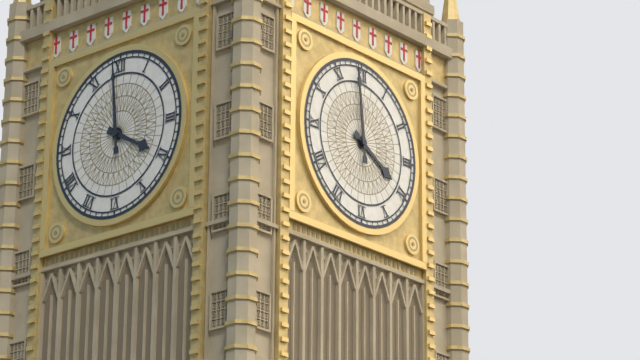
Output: 3h59
